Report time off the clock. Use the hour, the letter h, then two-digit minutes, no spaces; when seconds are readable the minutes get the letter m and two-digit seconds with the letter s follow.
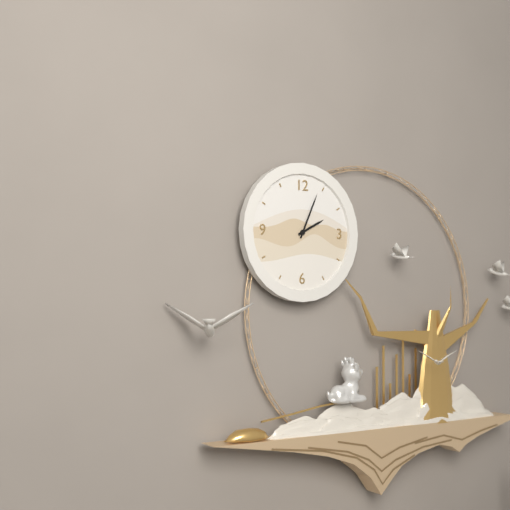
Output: 2h04
